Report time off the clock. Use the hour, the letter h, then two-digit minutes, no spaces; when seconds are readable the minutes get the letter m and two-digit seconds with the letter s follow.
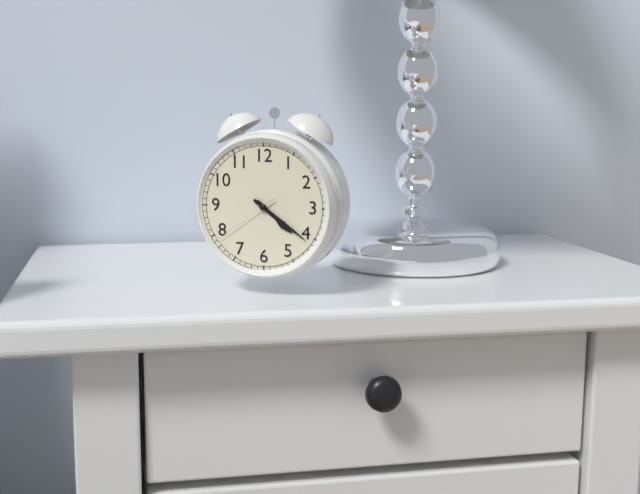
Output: 4h21m39s
